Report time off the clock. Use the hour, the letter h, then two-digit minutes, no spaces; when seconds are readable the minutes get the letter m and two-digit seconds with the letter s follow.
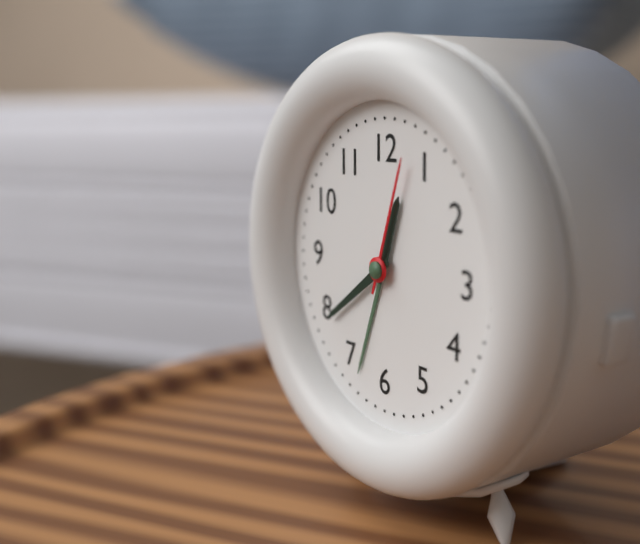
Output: 12h39m03s
